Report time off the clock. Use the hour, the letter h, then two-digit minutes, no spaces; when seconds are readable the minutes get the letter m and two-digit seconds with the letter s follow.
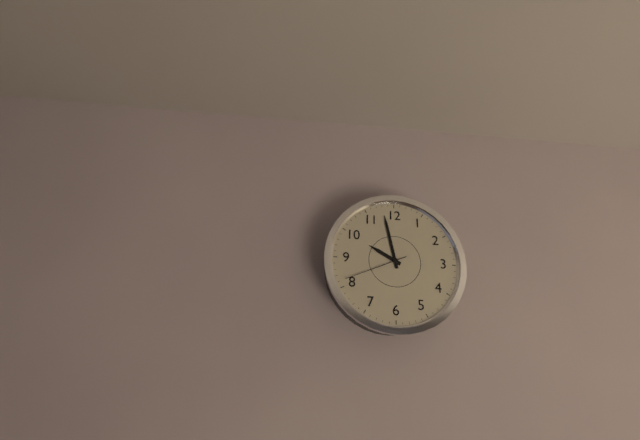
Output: 9h58m41s
